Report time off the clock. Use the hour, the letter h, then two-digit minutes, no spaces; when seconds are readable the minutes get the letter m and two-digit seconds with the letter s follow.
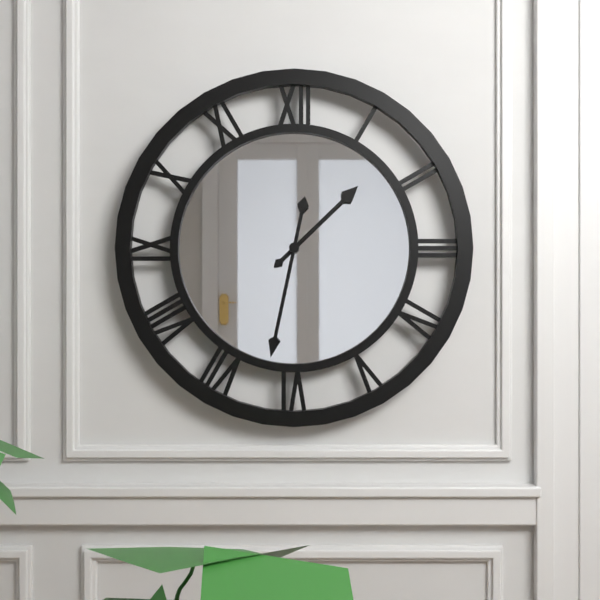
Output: 1h32
